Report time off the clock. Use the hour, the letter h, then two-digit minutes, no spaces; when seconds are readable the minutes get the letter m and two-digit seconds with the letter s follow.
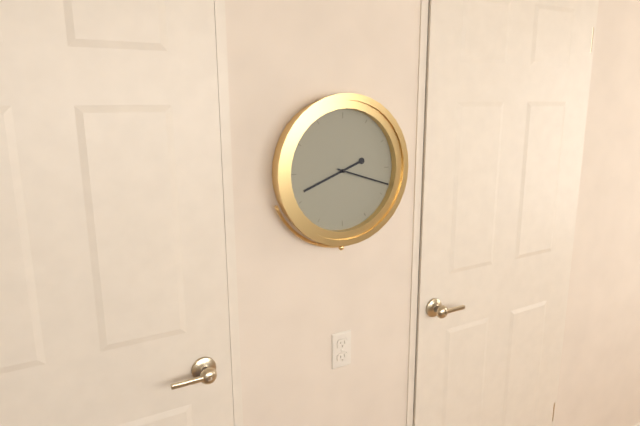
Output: 8h18
